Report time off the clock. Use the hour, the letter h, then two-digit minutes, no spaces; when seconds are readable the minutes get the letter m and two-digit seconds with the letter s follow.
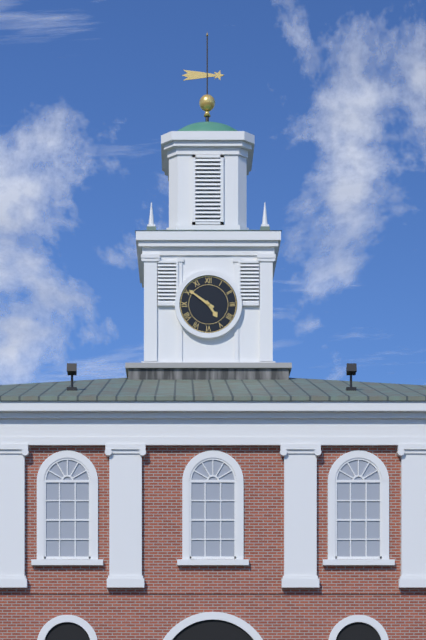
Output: 4h51
